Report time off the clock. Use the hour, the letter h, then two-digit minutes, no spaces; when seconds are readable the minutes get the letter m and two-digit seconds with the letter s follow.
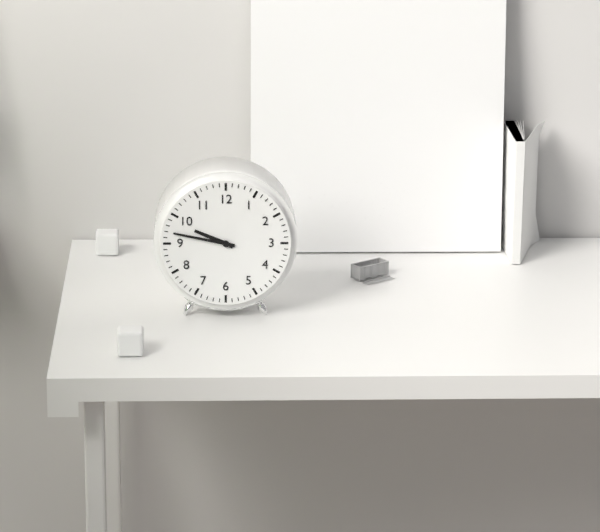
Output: 9h47
